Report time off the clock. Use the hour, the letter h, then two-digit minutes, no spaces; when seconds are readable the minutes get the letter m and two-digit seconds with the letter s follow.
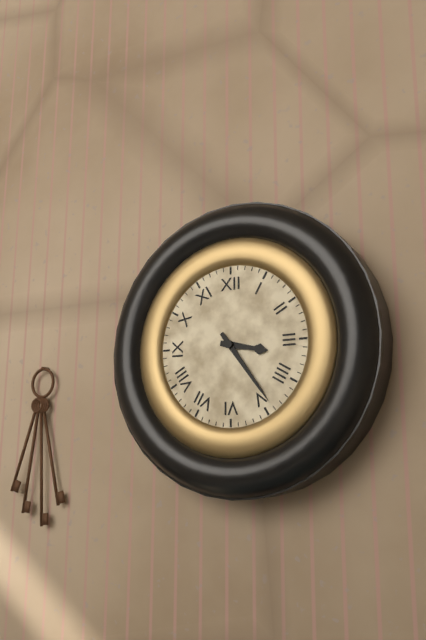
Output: 3h24
